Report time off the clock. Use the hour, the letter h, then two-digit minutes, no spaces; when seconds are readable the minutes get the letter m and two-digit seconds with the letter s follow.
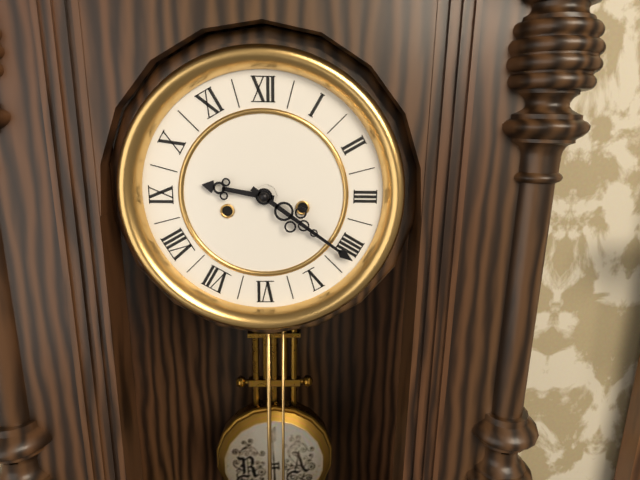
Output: 9h21
